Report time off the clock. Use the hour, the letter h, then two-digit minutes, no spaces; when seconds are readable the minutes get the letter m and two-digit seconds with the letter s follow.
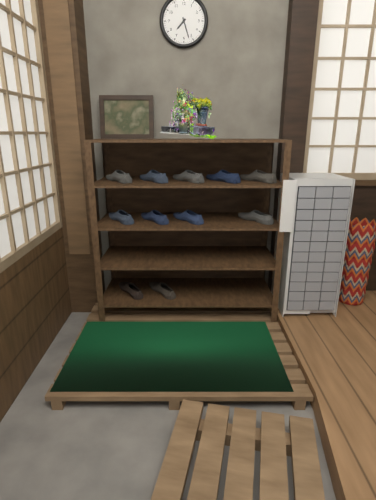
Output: 7h27
